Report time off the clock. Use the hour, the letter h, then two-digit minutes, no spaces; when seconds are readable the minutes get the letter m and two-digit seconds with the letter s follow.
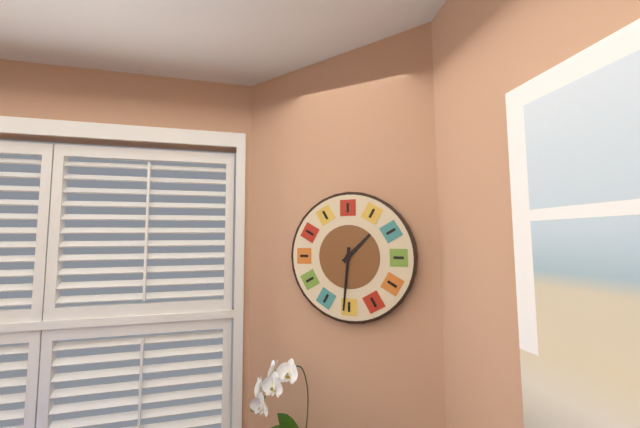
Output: 1h31
